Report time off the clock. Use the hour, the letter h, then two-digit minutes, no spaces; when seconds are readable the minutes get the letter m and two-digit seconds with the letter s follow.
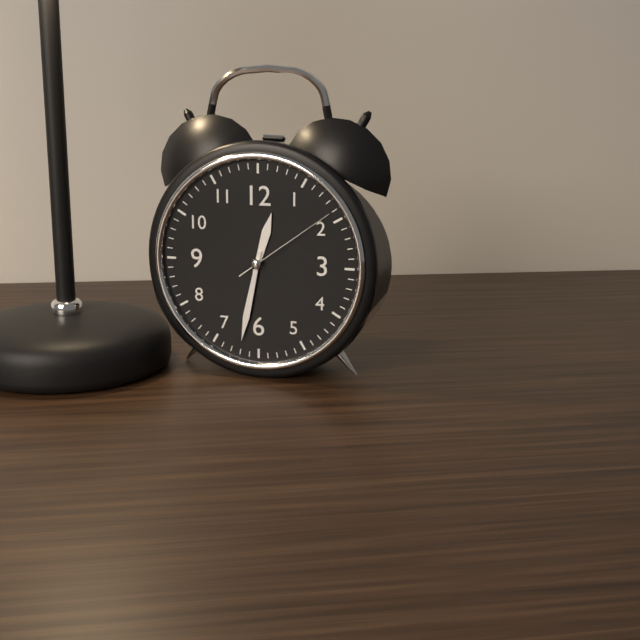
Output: 12h32m09s
